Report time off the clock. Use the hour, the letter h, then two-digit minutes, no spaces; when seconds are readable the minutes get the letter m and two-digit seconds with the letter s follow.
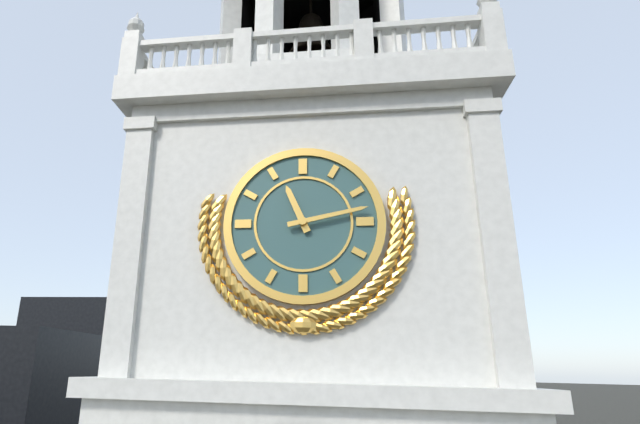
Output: 11h13
